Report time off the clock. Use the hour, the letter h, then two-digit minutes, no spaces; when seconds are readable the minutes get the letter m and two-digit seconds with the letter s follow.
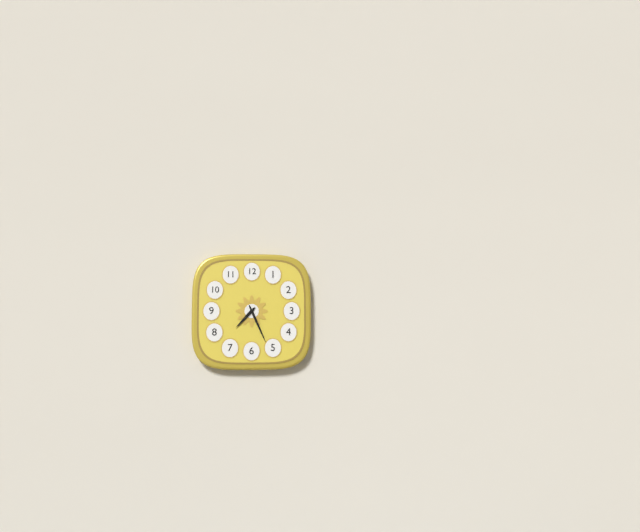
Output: 7h26
